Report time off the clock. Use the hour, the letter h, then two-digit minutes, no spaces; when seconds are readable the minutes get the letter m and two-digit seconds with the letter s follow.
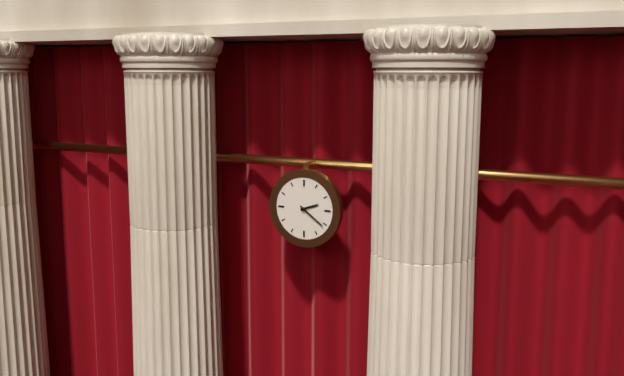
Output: 2h21
